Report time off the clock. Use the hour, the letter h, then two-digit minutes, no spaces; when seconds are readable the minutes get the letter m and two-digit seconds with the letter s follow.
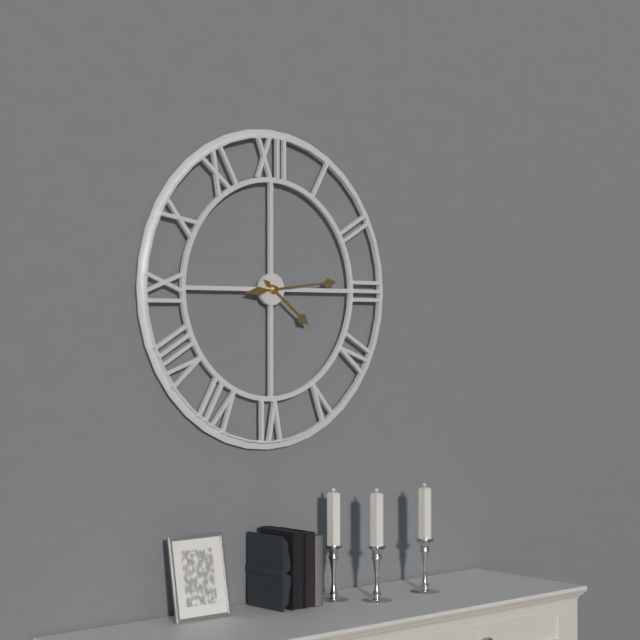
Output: 4h14
